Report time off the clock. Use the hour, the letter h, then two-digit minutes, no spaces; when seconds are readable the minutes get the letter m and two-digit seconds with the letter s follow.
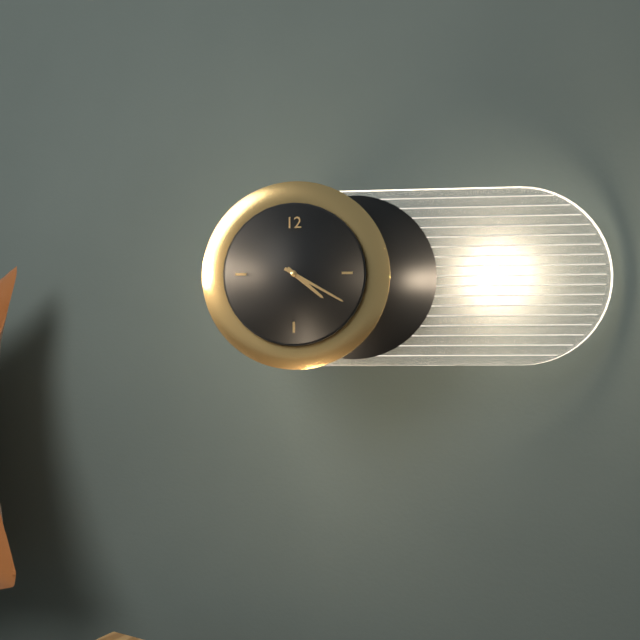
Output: 4h20
